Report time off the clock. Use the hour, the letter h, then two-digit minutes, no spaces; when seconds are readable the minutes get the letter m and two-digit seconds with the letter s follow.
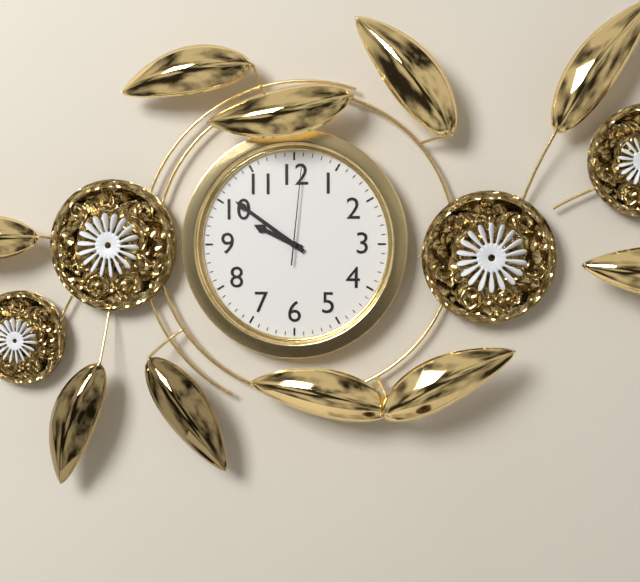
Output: 9h51m01s
